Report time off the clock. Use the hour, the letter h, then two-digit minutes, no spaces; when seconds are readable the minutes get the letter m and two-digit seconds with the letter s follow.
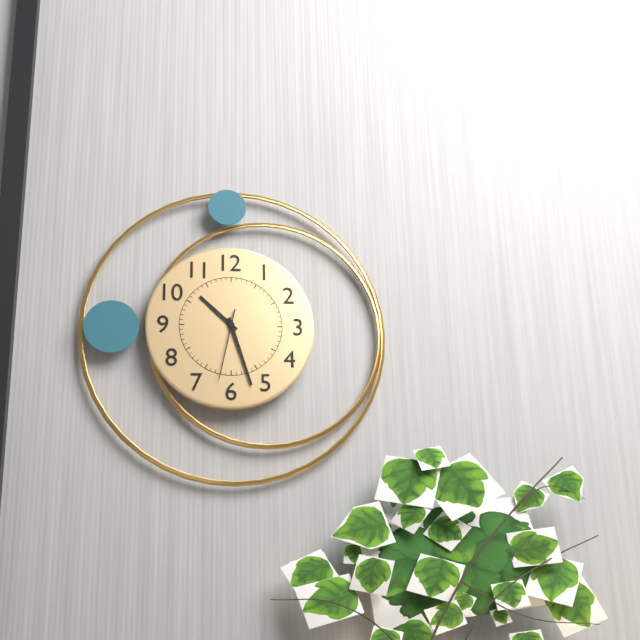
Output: 10h27m32s
